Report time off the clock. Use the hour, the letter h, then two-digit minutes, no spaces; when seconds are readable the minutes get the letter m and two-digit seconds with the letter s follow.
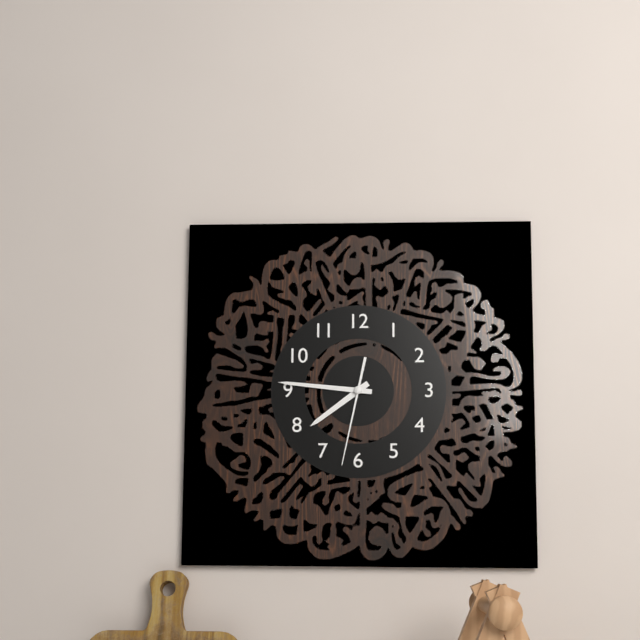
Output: 7h46m32s
